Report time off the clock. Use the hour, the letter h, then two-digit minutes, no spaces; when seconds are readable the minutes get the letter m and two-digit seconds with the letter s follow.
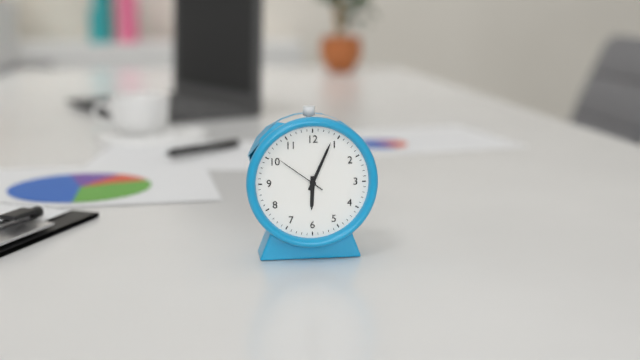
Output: 6h04m51s
